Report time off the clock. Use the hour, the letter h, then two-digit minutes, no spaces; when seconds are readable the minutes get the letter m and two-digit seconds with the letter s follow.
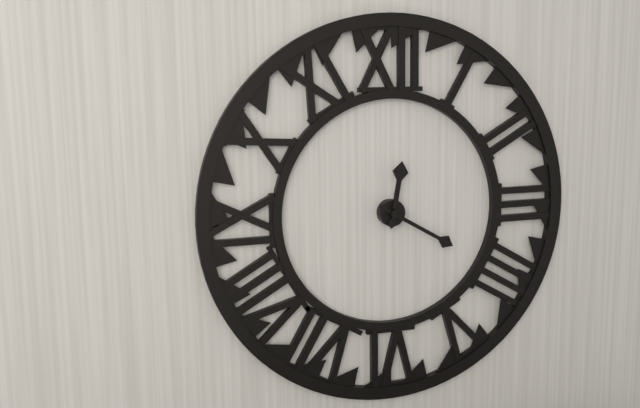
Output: 12h20
